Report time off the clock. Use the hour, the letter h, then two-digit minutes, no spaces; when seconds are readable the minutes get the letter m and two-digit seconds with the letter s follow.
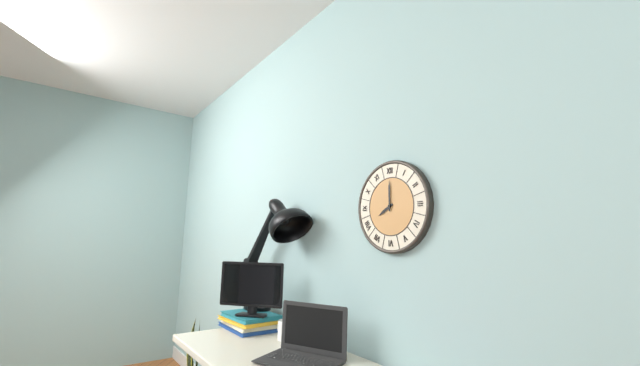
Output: 8h00
